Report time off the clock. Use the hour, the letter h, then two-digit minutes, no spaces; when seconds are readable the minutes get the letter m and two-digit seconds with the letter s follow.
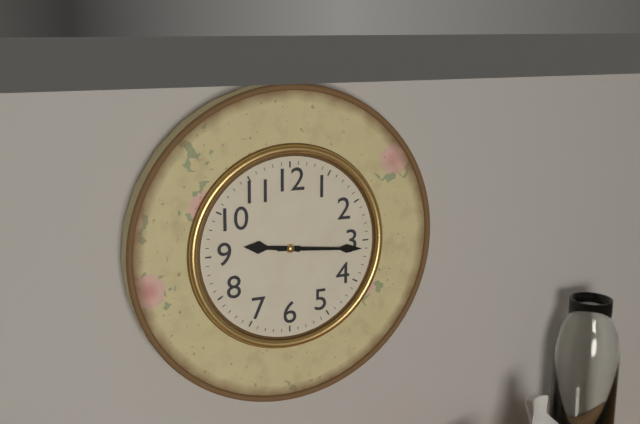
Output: 9h16
